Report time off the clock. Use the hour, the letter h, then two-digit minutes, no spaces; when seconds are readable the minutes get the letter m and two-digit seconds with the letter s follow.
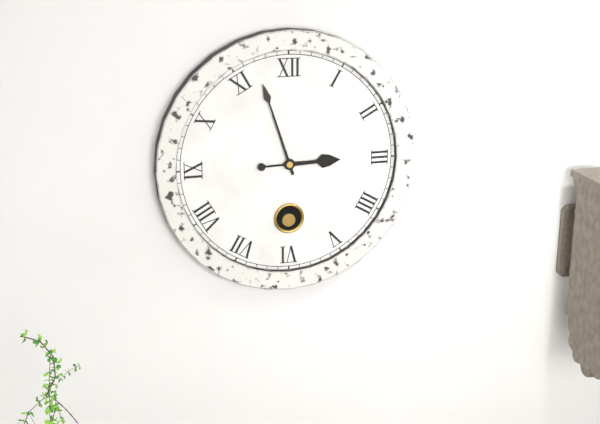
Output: 2h57
